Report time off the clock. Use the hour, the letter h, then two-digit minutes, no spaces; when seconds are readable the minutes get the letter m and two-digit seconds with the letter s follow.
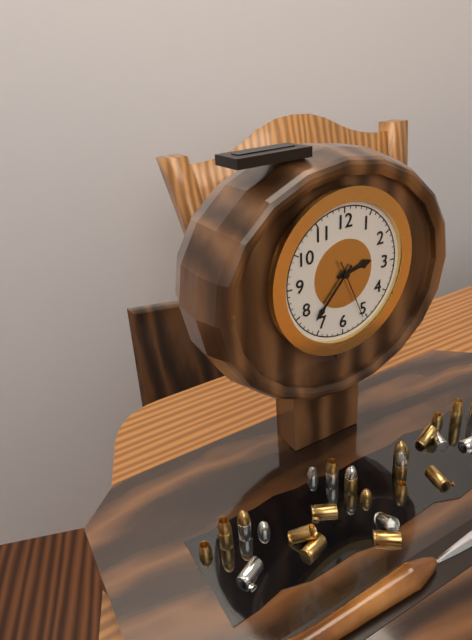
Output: 2h37m26s
